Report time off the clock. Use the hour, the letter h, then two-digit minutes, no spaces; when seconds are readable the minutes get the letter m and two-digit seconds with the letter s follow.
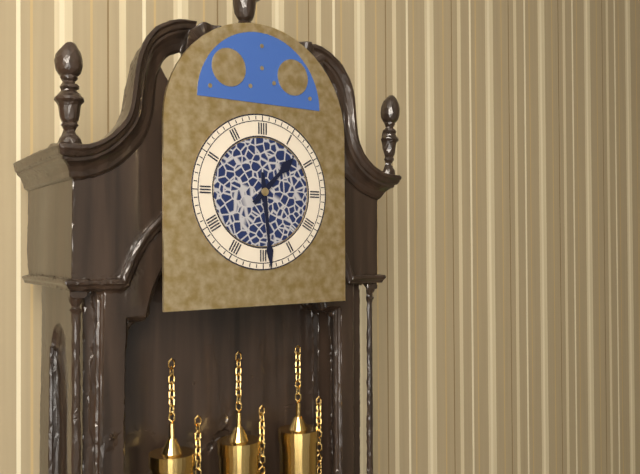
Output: 1h29
